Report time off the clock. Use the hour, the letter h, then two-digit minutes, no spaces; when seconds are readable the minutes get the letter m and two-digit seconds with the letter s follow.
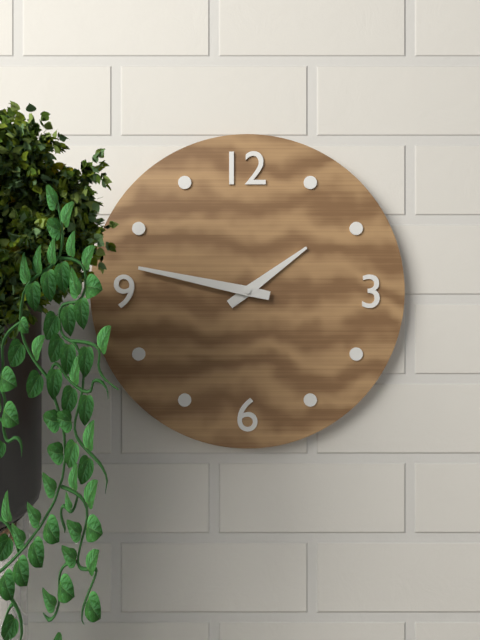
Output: 1h47
